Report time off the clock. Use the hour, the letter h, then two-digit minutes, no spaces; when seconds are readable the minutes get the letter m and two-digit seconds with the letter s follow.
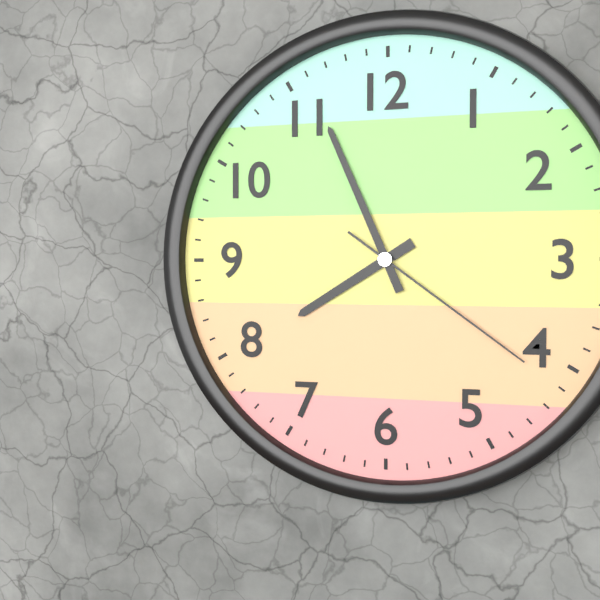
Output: 7h56m21s
